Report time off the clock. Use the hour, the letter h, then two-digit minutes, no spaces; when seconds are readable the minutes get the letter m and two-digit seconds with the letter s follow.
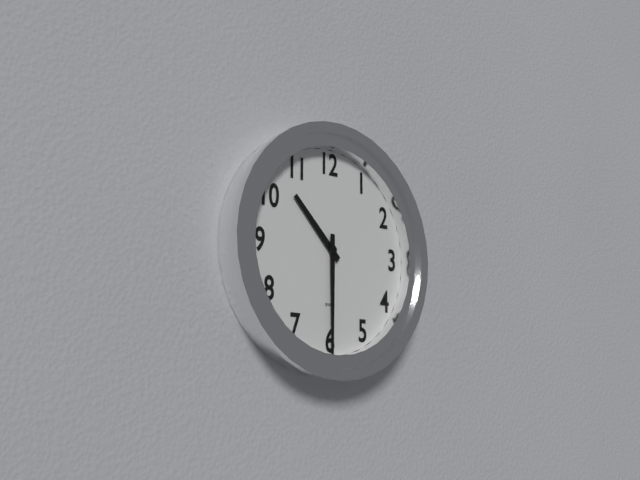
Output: 10h30
